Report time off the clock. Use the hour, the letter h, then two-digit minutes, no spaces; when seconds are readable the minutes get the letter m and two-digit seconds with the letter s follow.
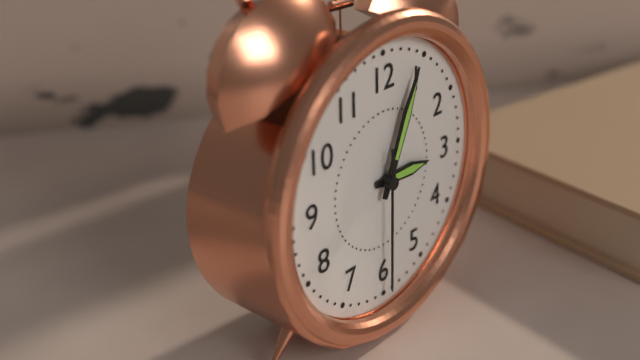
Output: 3h04m30s
